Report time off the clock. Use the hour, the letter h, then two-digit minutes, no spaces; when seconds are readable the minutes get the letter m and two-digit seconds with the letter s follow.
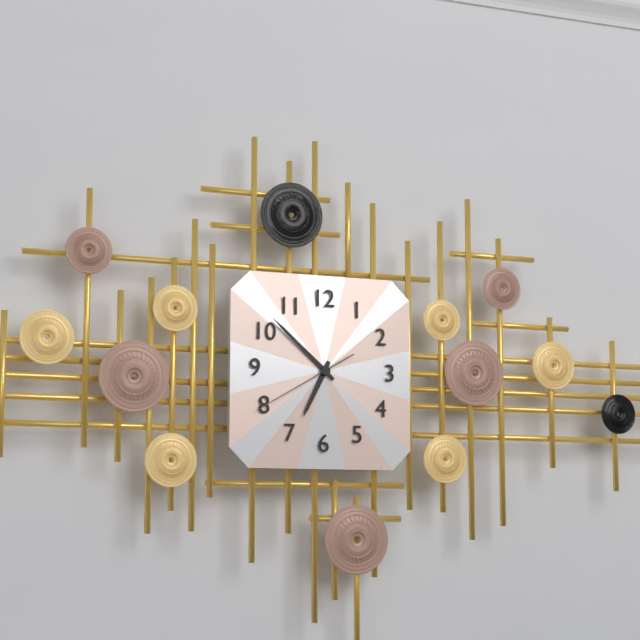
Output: 6h52m40s
